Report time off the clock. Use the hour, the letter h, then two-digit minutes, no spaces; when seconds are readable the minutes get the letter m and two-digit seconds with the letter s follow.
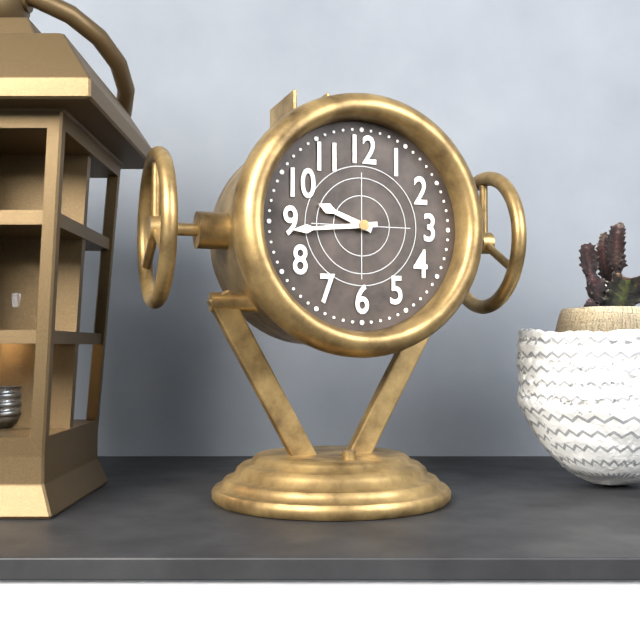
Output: 9h44
